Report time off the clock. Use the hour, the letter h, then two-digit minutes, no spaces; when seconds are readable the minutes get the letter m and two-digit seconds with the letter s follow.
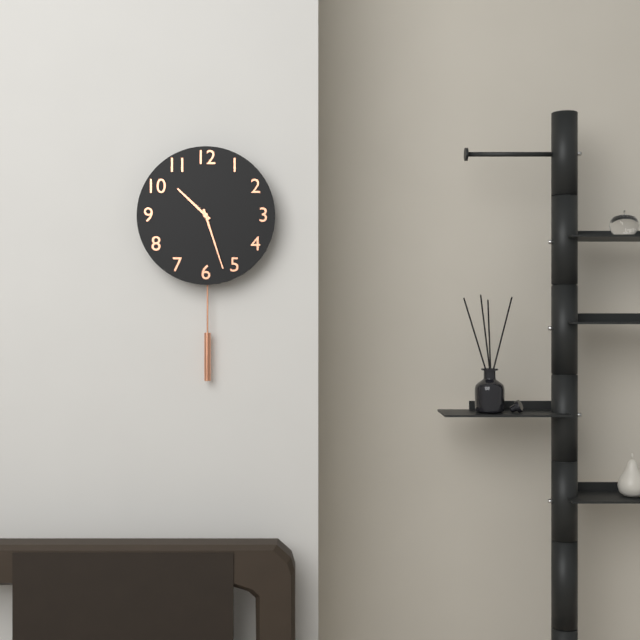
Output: 10h27
